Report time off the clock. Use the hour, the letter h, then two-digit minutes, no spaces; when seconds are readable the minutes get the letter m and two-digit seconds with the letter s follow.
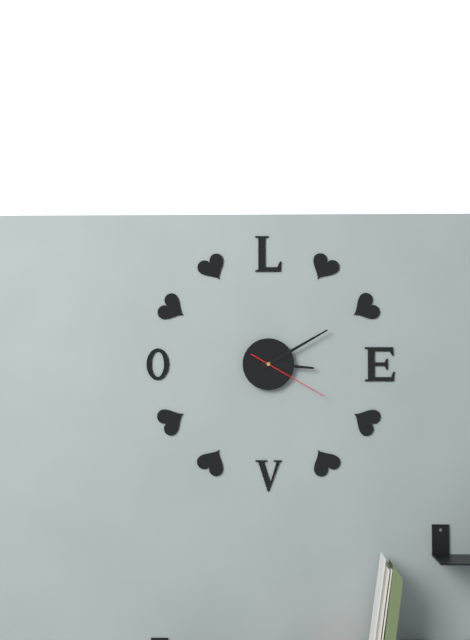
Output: 3h10m20s
